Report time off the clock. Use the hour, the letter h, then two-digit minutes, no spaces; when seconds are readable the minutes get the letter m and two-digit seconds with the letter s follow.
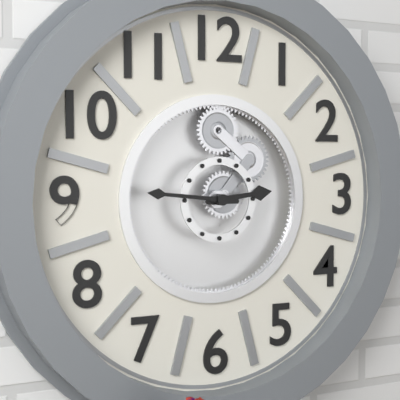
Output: 2h46
